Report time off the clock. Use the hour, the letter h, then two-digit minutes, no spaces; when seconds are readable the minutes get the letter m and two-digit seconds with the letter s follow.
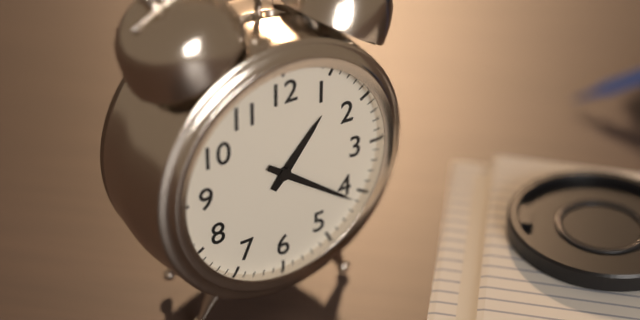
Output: 1h21
